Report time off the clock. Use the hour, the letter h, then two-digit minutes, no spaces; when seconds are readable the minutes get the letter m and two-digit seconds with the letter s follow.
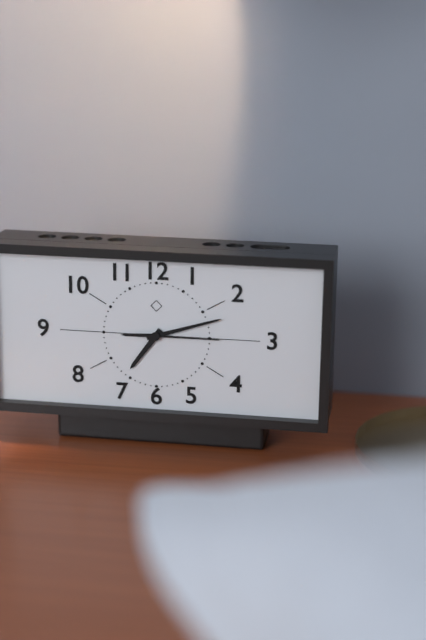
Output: 7h12m15s
